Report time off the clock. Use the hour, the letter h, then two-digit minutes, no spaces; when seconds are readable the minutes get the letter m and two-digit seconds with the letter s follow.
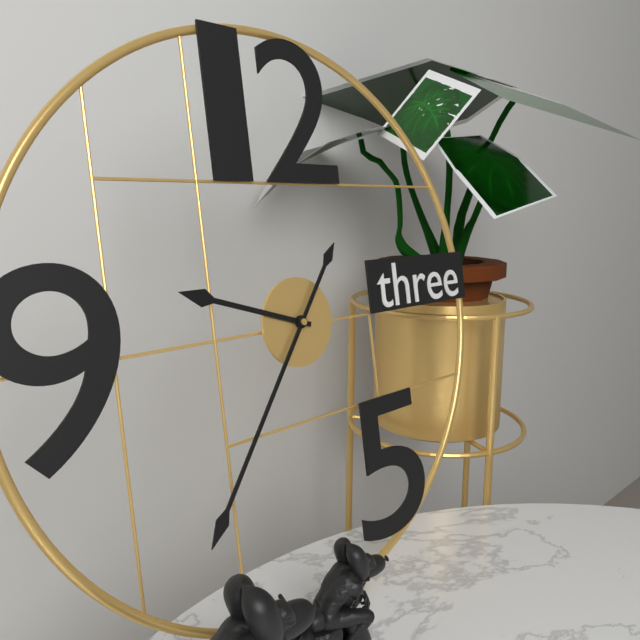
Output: 9h36
